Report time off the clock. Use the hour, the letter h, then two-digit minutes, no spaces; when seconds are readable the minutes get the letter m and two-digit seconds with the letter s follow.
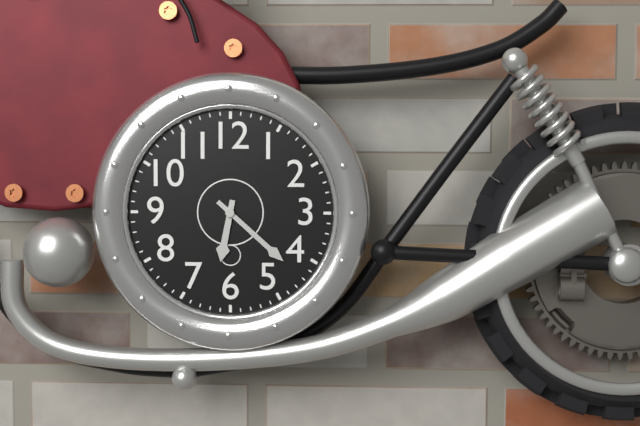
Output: 6h22
